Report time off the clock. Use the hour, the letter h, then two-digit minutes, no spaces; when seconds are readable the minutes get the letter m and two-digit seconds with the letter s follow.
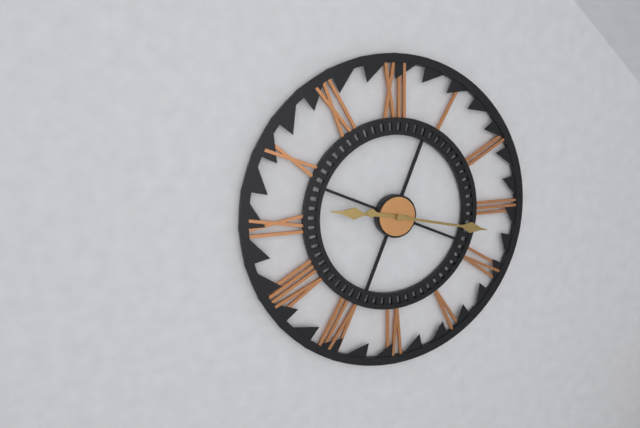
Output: 9h17
